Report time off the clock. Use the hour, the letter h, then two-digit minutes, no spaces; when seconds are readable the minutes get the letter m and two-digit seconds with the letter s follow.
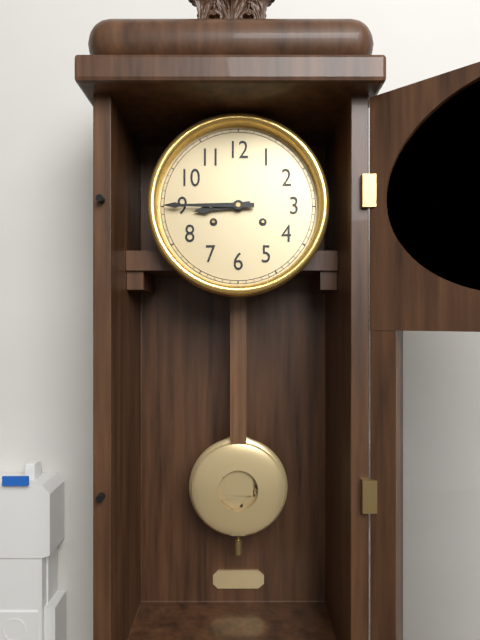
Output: 8h45
